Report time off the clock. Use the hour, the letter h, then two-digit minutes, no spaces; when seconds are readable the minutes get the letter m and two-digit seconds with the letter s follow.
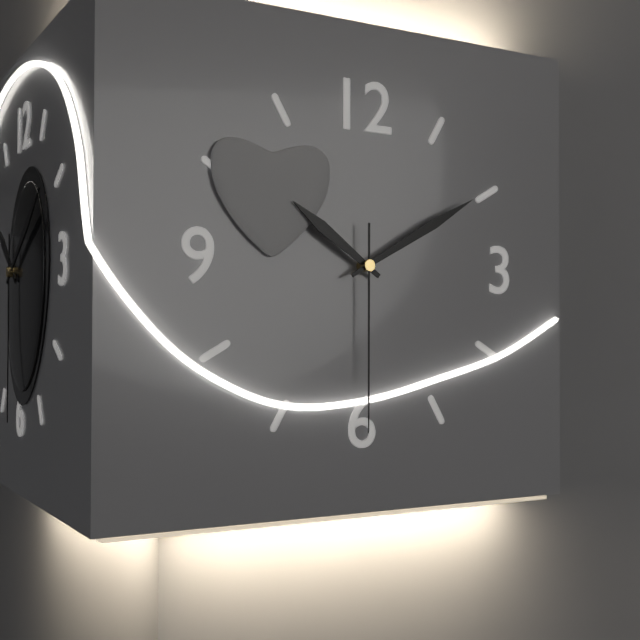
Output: 10h10m30s
